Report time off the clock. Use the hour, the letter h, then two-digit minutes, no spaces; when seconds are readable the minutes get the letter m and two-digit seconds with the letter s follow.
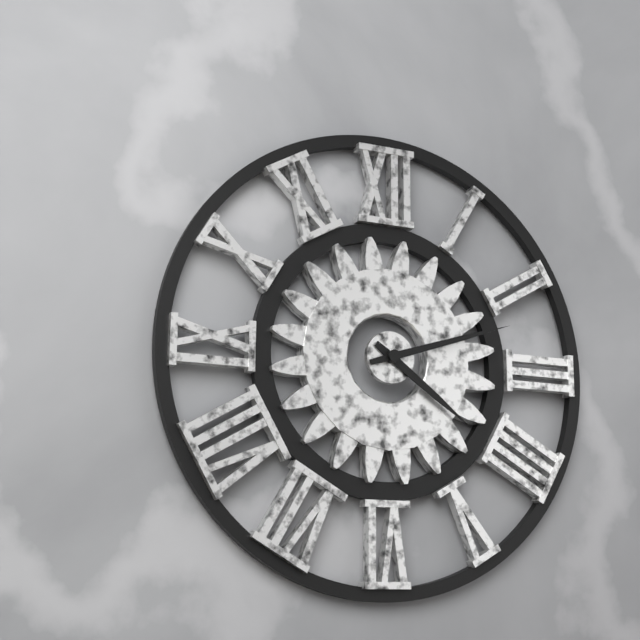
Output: 4h12
